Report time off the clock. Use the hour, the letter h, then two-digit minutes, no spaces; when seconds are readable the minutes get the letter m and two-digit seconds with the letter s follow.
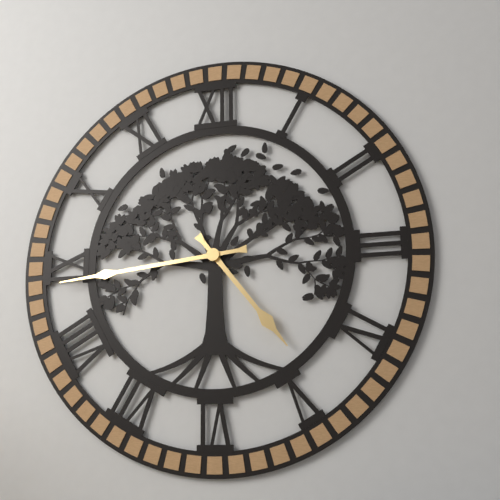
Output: 4h44
